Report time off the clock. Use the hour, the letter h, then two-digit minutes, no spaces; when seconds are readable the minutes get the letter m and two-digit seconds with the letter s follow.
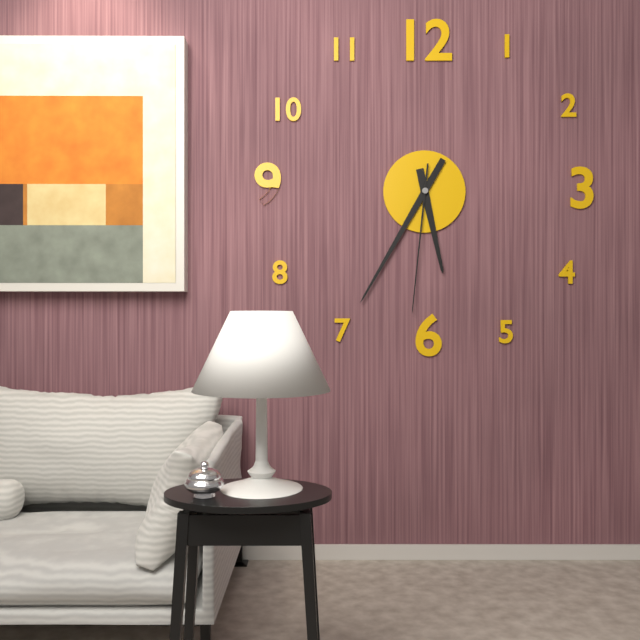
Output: 5h35m31s
